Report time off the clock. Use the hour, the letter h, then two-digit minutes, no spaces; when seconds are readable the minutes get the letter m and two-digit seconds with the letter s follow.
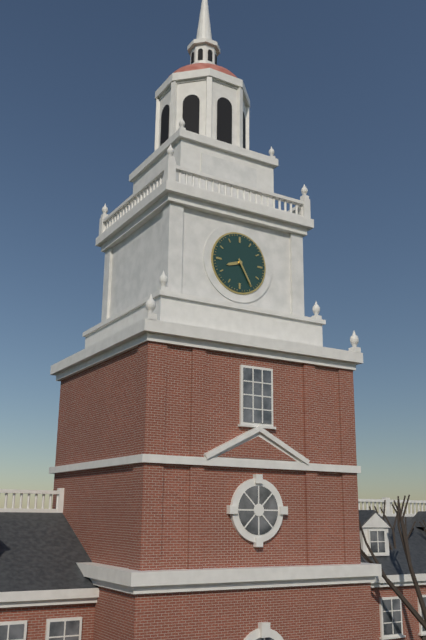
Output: 8h25
